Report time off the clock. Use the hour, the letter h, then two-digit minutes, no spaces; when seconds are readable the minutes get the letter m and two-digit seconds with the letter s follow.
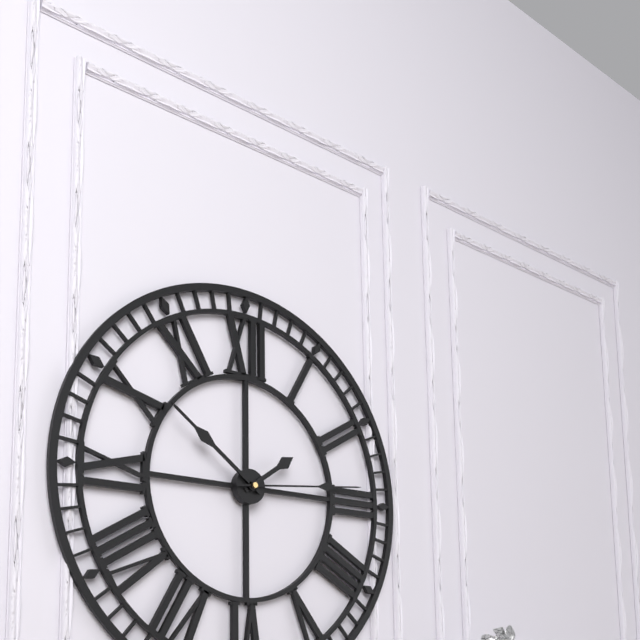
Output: 1h51m14s
